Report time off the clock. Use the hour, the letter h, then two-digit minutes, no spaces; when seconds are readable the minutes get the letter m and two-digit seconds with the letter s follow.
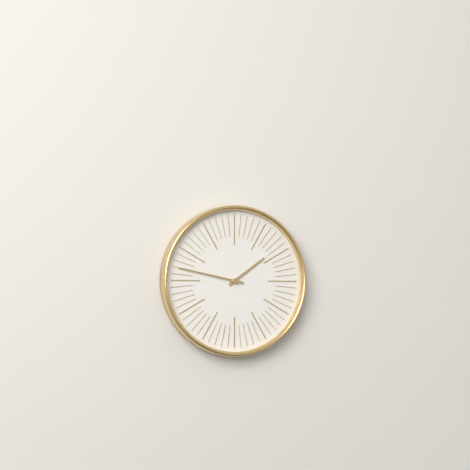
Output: 1h47
